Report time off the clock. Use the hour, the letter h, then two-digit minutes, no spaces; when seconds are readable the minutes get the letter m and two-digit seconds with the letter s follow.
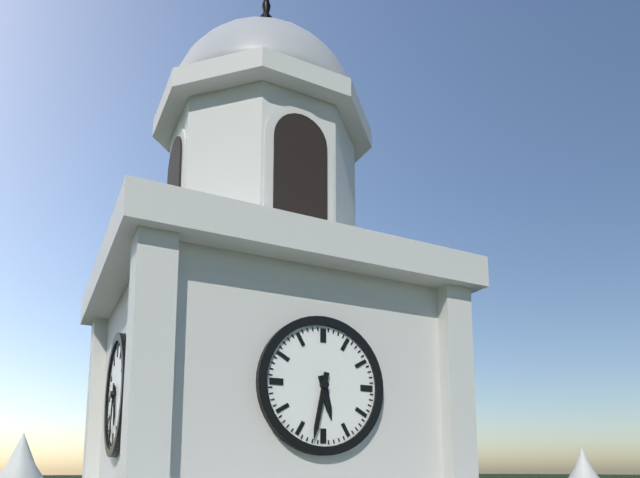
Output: 5h32
